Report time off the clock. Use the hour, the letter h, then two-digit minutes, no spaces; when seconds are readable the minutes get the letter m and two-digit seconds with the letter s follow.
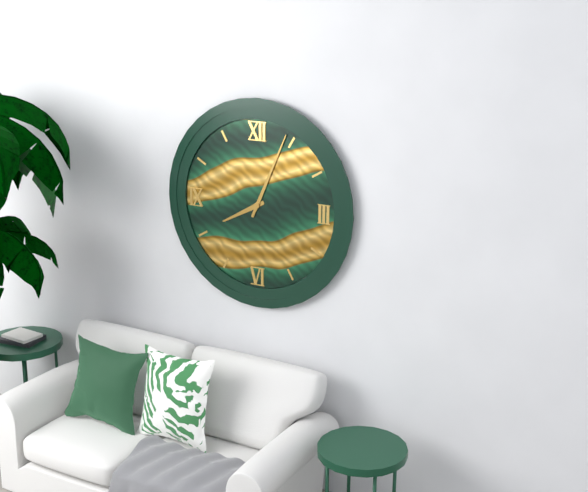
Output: 8h04
